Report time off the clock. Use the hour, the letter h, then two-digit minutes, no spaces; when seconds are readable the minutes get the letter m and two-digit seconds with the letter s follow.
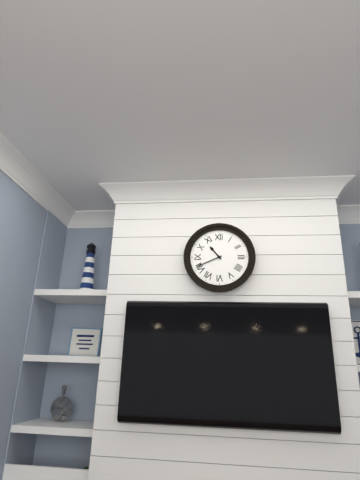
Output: 10h41
